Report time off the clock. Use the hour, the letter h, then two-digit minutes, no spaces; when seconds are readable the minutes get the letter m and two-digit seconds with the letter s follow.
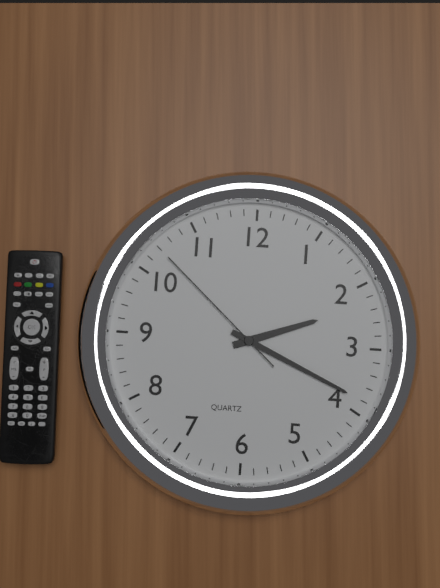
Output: 2h19m52s
